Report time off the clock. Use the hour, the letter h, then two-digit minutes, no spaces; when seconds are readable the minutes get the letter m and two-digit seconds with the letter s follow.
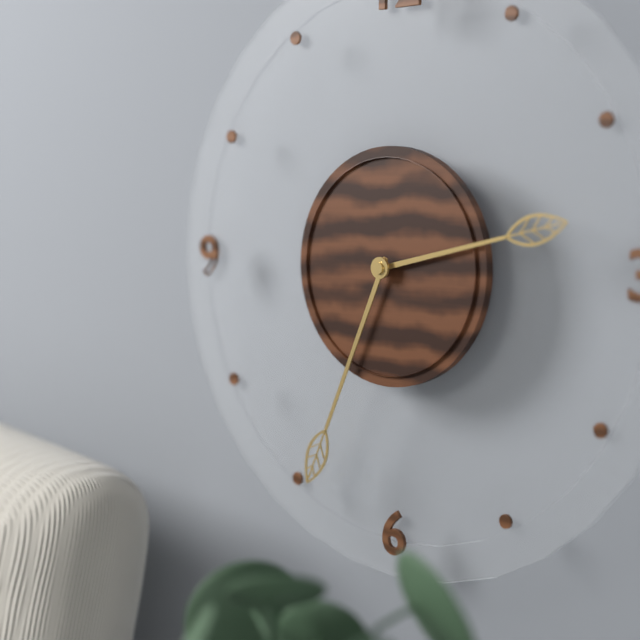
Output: 2h34
